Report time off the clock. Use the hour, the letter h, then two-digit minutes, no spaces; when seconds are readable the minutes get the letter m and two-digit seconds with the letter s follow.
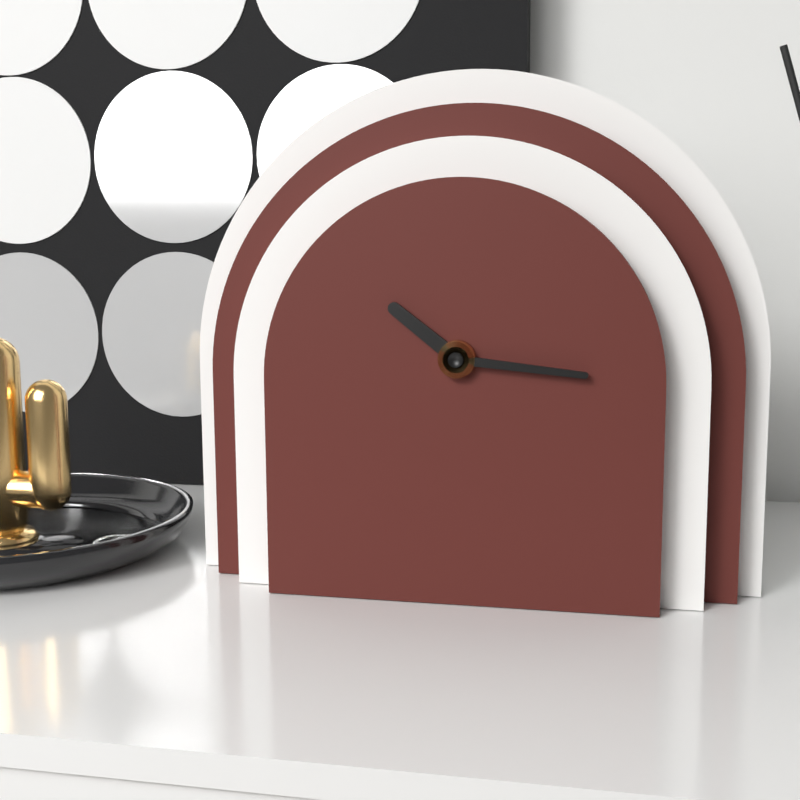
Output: 10h16
